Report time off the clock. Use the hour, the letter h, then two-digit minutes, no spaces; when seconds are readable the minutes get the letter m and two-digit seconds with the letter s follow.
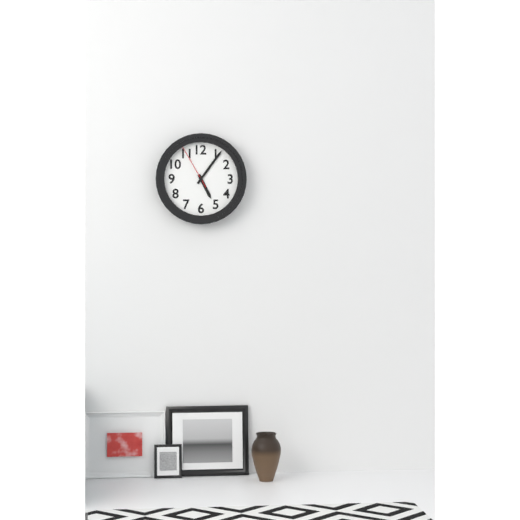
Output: 5h06
